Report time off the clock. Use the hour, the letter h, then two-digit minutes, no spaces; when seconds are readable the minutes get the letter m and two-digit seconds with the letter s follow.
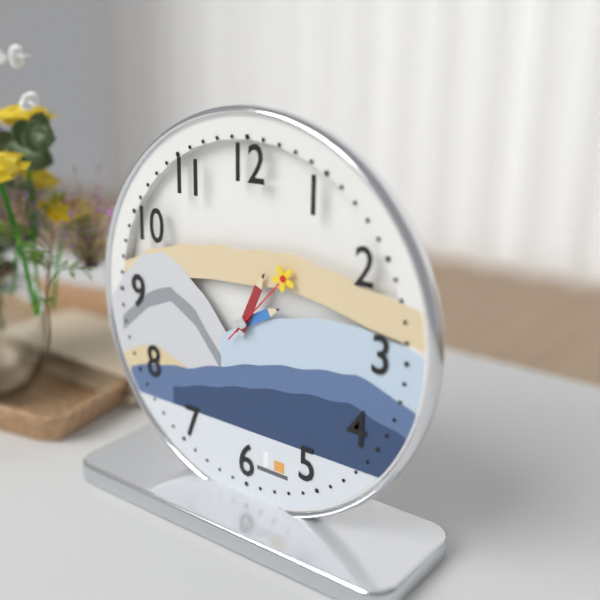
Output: 2h04m07s
